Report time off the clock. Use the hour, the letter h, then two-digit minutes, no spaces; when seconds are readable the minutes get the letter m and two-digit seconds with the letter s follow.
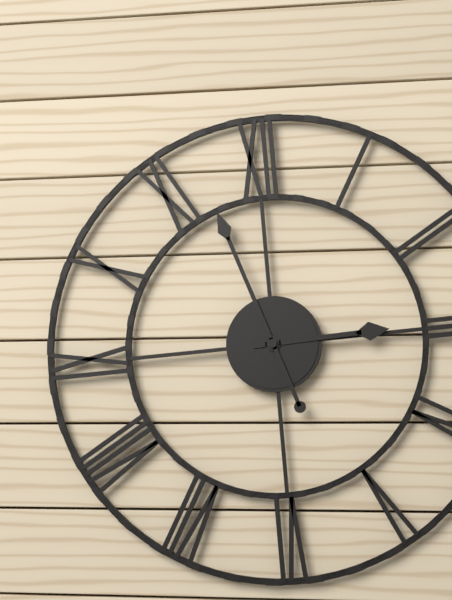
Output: 2h57
